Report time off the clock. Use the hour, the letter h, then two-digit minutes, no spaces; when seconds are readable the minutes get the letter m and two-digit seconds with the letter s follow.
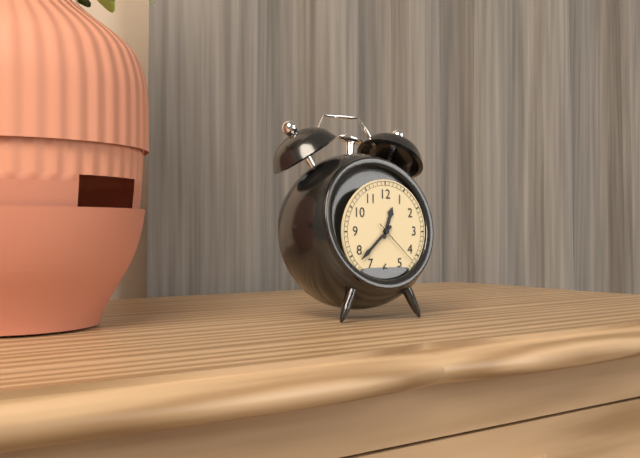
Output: 12h38m22s
